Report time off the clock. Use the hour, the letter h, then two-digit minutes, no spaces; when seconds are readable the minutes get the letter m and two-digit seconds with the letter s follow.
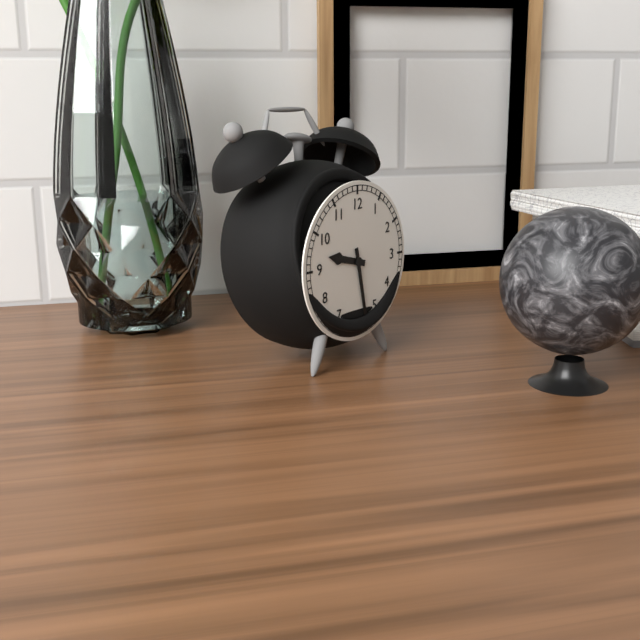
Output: 9h28
